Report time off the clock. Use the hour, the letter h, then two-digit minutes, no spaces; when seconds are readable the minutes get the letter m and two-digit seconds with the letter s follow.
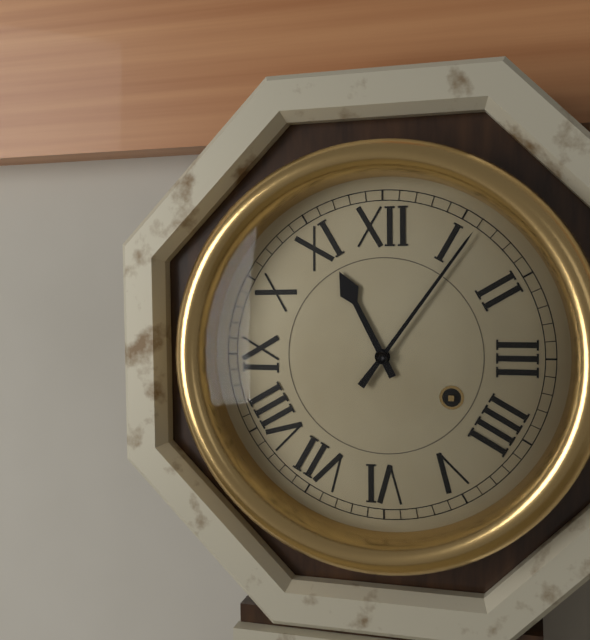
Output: 11h06
